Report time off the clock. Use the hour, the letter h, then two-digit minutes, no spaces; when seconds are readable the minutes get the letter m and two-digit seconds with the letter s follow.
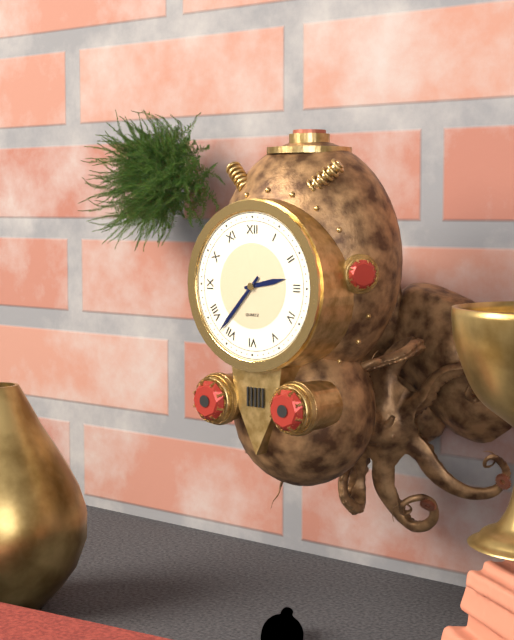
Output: 2h37
